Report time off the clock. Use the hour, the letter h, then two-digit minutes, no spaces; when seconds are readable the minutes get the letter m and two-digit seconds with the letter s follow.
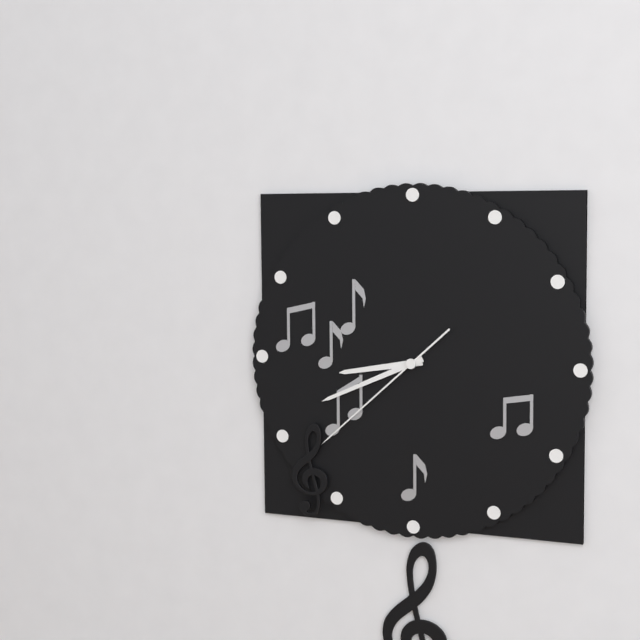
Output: 8h41m38s
